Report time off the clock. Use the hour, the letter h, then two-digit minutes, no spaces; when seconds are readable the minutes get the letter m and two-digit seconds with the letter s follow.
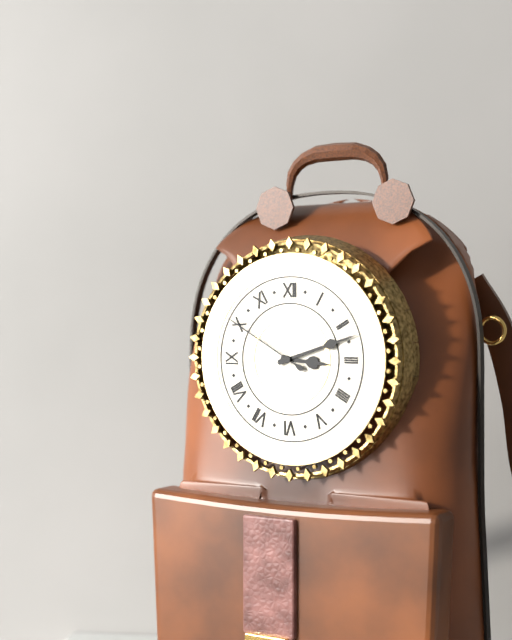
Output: 3h12m50s
